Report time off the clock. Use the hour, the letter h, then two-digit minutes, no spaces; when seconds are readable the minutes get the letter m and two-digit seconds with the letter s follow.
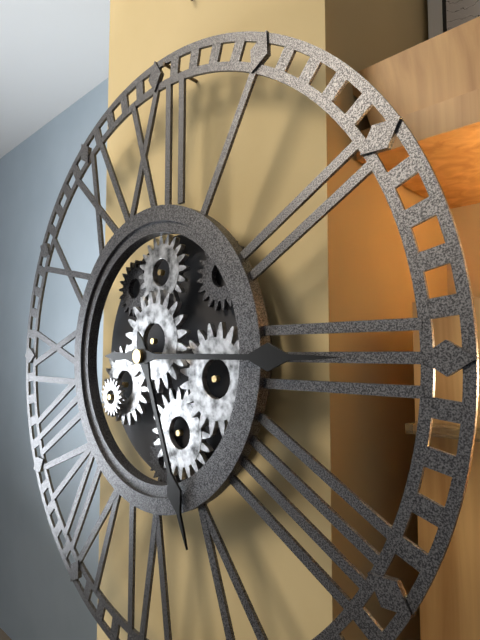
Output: 5h15
